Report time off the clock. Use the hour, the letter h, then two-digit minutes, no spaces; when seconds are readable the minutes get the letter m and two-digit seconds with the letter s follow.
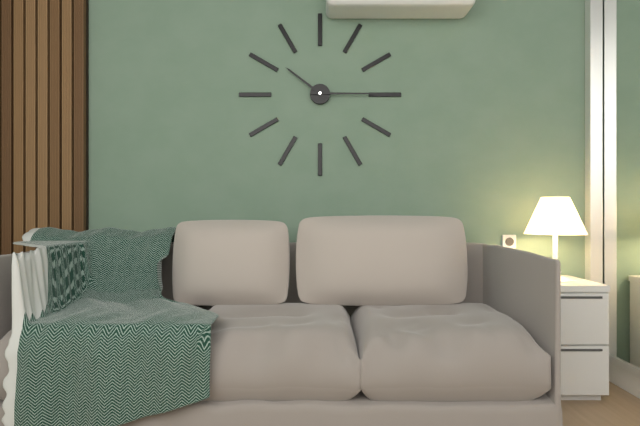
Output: 10h15
